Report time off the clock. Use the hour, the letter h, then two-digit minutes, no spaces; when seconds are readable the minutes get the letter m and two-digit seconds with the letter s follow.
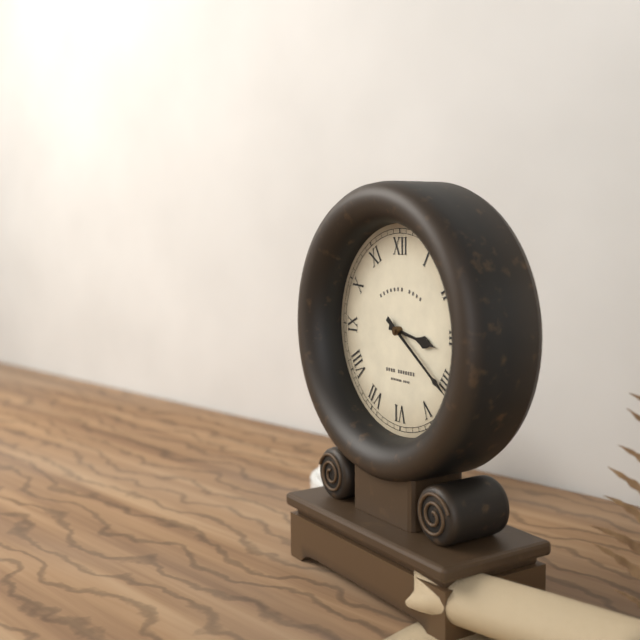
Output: 3h21
